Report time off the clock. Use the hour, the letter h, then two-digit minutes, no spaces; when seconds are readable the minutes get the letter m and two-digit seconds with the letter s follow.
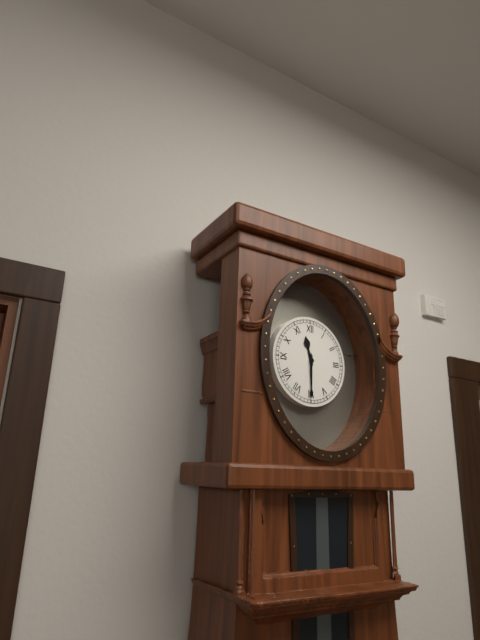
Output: 11h30
